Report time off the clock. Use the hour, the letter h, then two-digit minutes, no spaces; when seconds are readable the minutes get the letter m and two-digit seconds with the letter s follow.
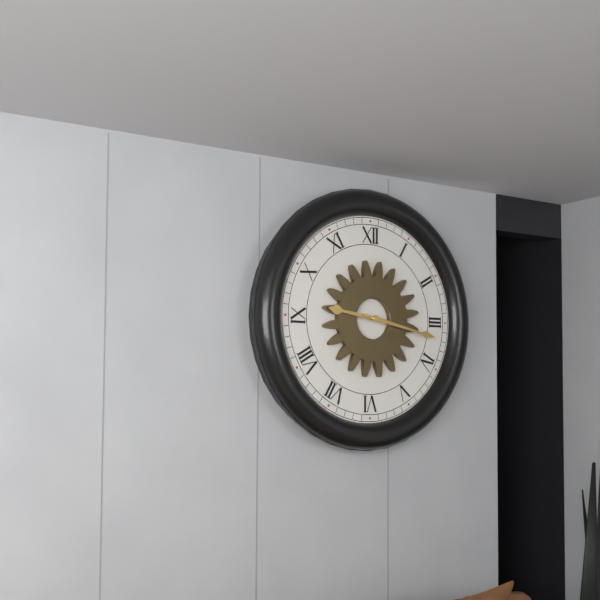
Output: 9h17
